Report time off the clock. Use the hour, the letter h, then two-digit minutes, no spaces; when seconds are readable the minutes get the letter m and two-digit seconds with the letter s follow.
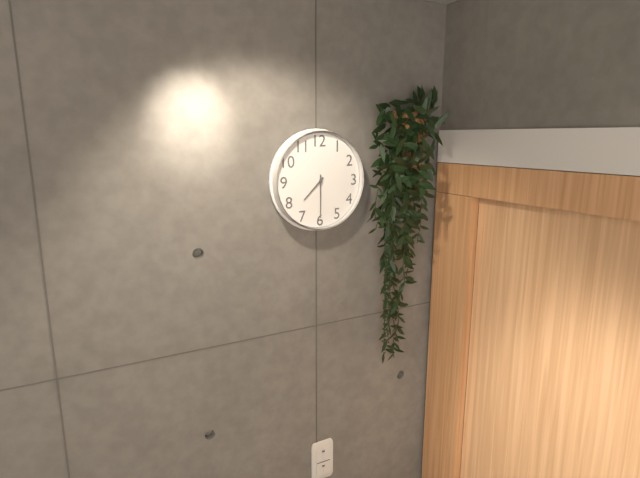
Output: 7h30
